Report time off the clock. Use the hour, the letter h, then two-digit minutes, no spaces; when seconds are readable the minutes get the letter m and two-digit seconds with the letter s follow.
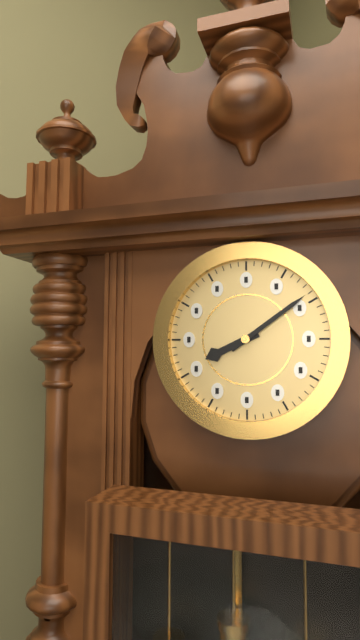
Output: 8h09
